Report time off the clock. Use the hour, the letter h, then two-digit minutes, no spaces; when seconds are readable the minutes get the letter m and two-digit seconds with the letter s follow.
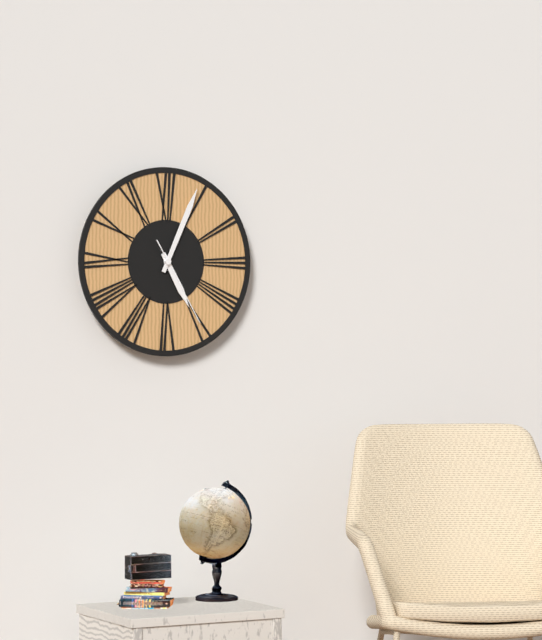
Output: 5h04m25s
